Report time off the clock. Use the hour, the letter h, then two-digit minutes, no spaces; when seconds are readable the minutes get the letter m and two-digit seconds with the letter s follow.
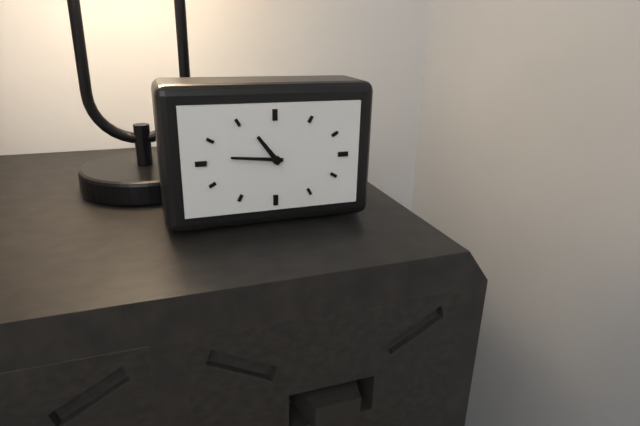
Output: 10h46
